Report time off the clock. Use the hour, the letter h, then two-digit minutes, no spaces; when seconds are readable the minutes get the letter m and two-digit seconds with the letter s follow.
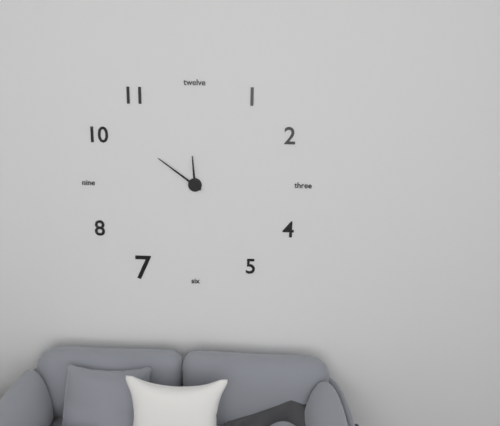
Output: 11h51
